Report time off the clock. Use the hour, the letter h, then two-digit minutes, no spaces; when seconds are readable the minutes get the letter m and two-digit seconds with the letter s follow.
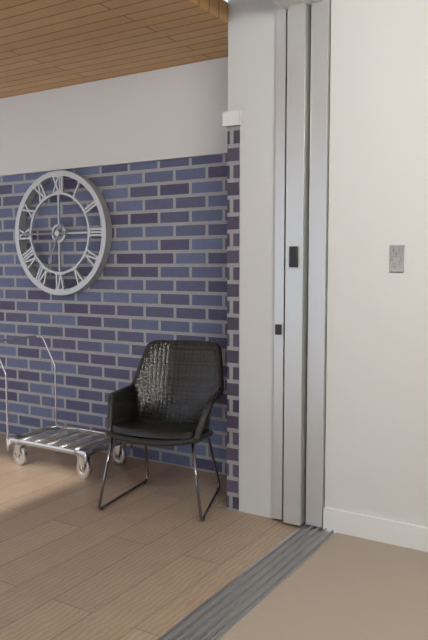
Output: 6h45
